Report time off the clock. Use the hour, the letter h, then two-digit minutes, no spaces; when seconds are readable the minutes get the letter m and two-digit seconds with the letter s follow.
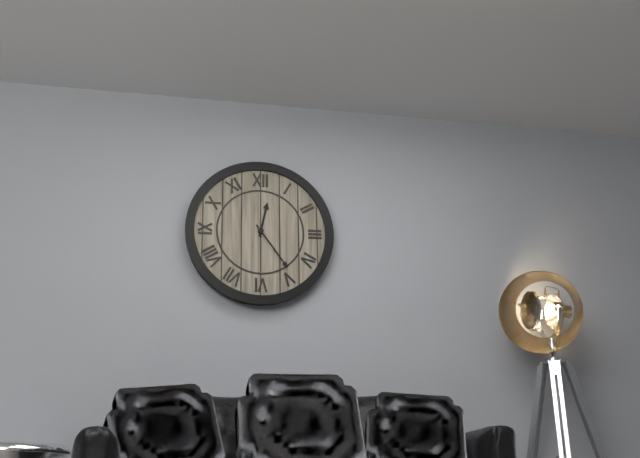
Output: 12h24
